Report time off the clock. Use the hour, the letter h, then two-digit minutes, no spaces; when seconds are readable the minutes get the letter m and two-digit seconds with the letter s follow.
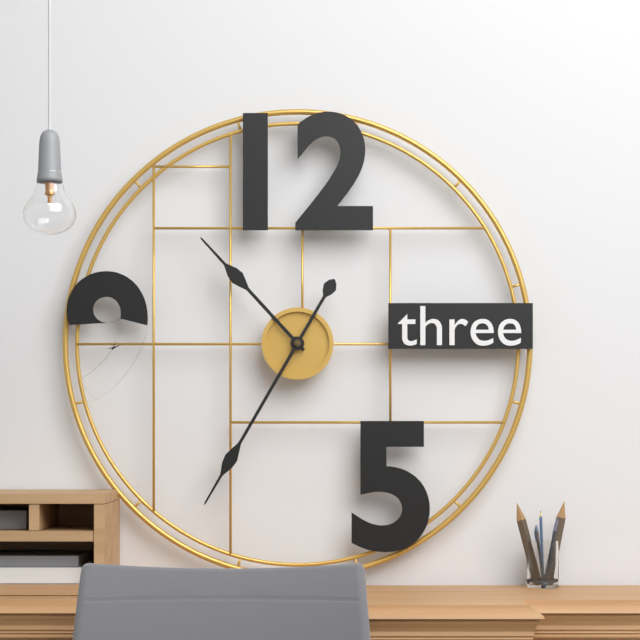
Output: 10h35
